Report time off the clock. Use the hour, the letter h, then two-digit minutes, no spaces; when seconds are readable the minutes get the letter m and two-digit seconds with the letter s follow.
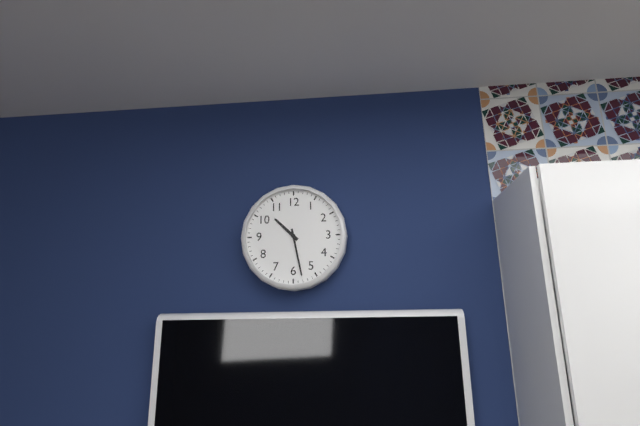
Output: 10h28
